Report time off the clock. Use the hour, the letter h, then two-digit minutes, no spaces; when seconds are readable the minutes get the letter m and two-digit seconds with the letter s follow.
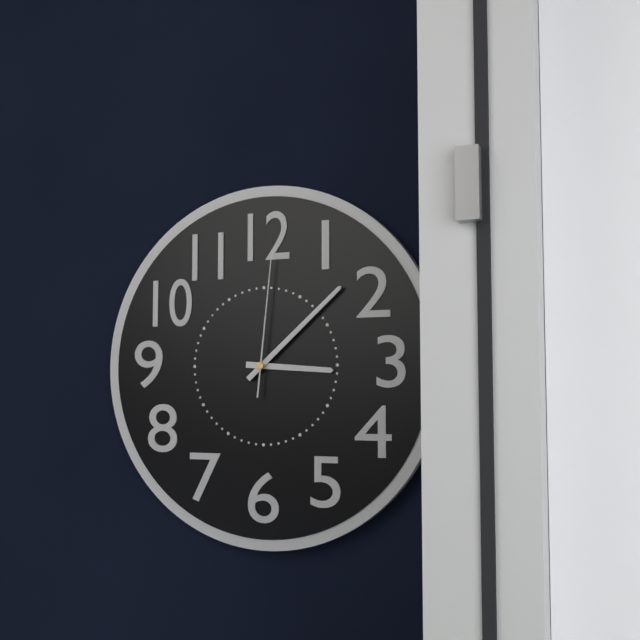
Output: 3h08m01s
